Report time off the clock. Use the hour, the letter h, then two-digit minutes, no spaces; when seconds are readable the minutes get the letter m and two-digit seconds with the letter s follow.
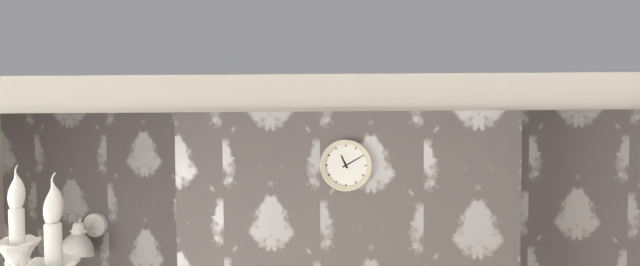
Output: 11h10
